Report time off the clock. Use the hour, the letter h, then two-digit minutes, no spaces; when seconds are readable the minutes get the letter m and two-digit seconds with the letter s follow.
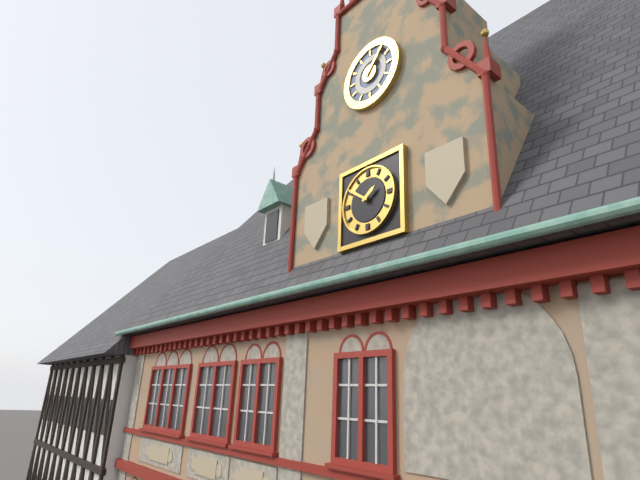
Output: 1h51
